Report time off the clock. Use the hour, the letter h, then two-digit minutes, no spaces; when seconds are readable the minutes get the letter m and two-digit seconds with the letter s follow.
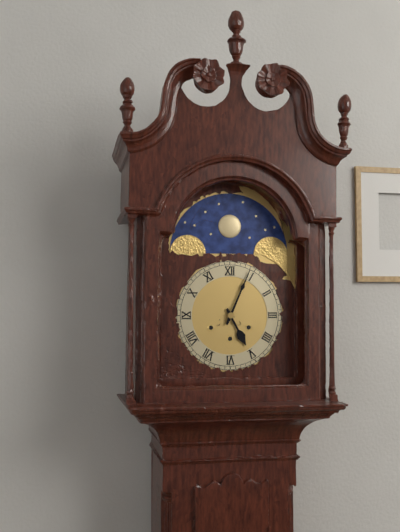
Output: 5h04
